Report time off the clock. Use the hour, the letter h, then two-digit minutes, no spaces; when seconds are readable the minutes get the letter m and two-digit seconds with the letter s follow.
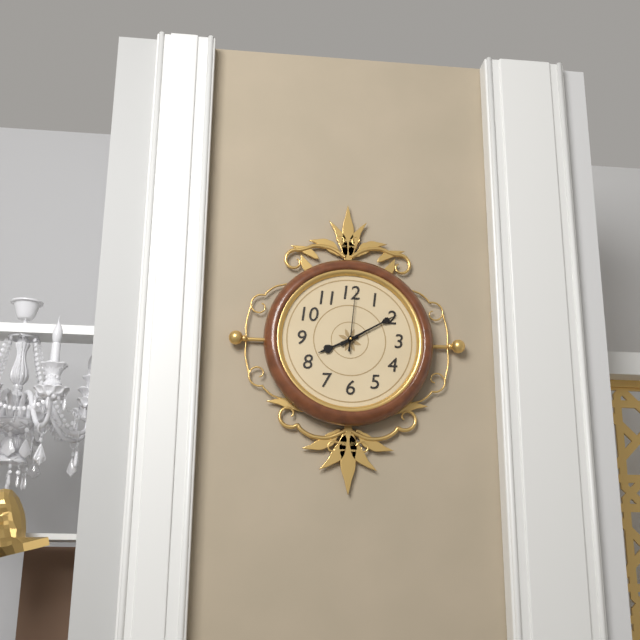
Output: 8h10m01s
